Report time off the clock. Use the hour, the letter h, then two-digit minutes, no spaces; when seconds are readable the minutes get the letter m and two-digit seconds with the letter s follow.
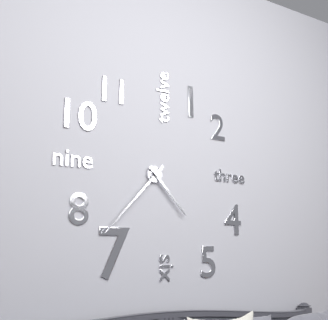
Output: 4h37
